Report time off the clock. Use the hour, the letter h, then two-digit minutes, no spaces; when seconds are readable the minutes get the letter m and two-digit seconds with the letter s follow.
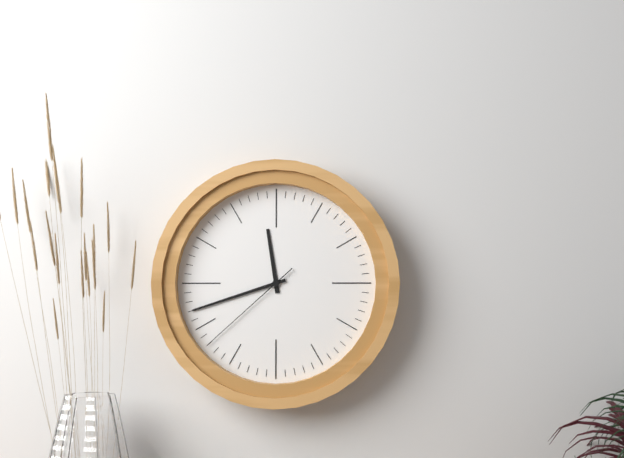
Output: 11h42m38s
